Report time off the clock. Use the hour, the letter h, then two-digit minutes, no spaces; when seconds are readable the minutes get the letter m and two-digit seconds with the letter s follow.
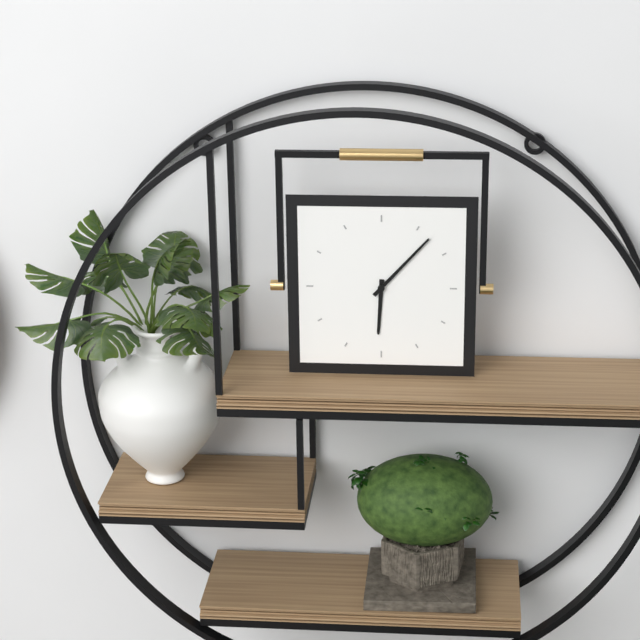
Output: 6h07
